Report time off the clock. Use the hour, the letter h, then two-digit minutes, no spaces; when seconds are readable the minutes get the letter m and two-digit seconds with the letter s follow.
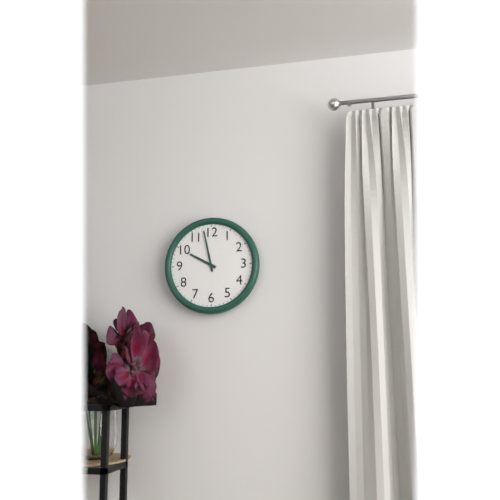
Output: 9h58
